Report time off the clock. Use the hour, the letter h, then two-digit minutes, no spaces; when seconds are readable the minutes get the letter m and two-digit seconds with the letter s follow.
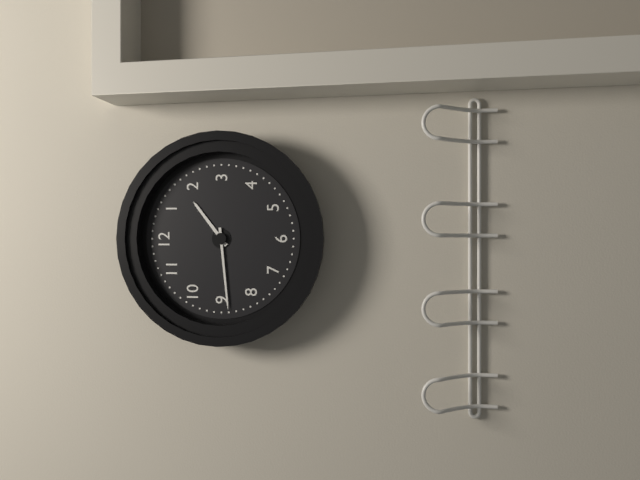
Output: 1h44
